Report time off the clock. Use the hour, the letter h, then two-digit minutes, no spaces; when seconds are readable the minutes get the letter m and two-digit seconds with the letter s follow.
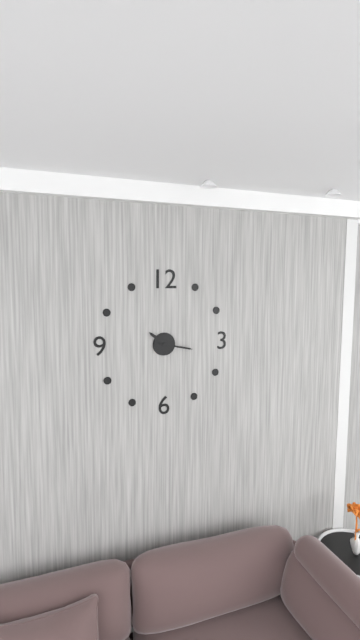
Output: 10h17
